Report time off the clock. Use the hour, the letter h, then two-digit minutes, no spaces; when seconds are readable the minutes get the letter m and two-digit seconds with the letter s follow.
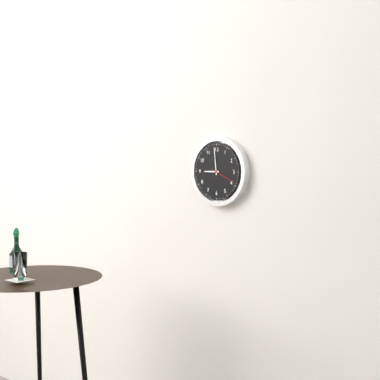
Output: 8h59
